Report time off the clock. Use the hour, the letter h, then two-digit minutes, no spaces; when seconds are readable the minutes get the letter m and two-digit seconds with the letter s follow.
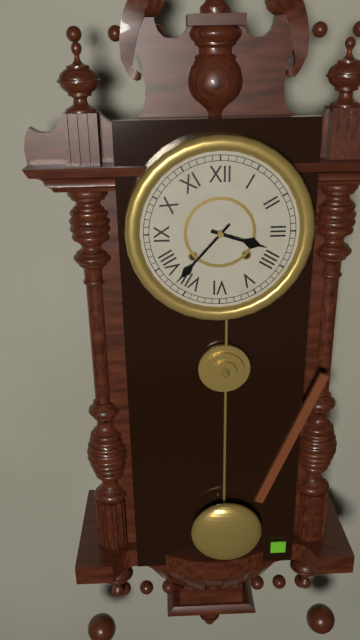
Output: 3h37
